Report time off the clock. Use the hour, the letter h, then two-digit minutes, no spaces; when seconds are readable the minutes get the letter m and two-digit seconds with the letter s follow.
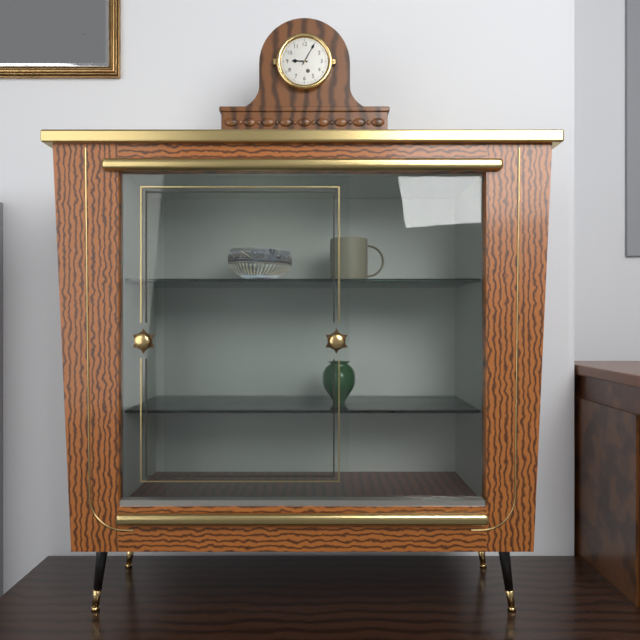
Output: 9h05
